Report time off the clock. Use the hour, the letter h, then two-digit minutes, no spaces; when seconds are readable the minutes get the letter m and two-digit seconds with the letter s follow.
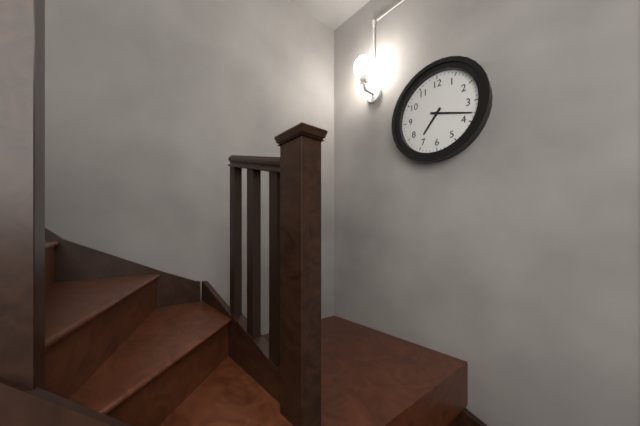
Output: 7h18
